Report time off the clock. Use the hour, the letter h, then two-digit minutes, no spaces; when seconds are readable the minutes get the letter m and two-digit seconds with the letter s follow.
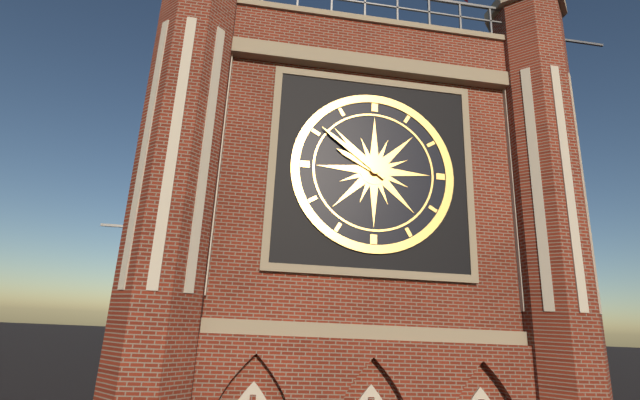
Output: 9h51
